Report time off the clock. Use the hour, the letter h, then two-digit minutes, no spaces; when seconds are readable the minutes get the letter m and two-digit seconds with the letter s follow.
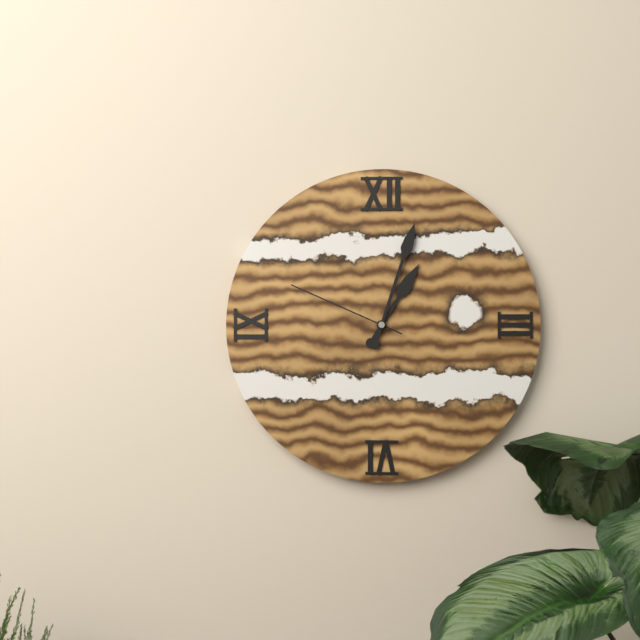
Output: 1h03m49s
